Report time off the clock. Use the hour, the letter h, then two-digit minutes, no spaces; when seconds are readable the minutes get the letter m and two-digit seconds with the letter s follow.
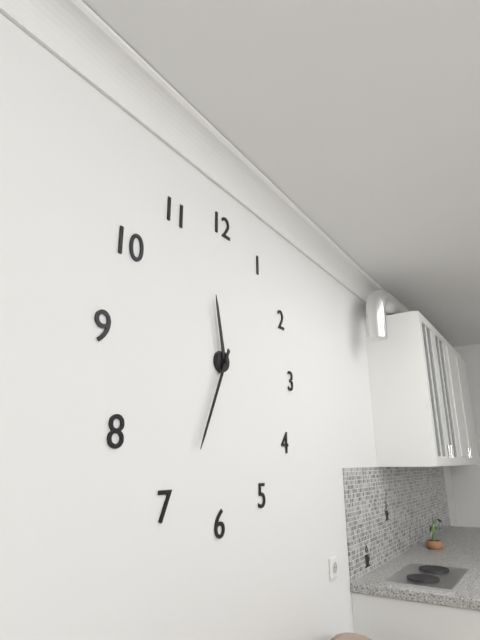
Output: 11h34
